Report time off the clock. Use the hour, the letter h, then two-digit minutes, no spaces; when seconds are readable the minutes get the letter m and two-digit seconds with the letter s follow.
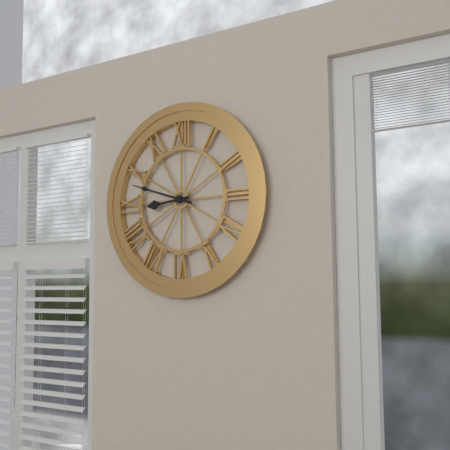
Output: 8h48
